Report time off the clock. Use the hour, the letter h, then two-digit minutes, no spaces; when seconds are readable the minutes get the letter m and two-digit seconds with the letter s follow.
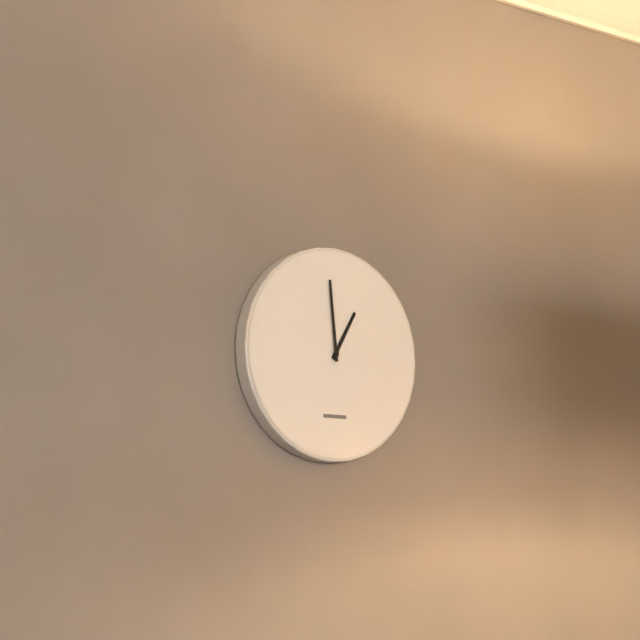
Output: 12h59
